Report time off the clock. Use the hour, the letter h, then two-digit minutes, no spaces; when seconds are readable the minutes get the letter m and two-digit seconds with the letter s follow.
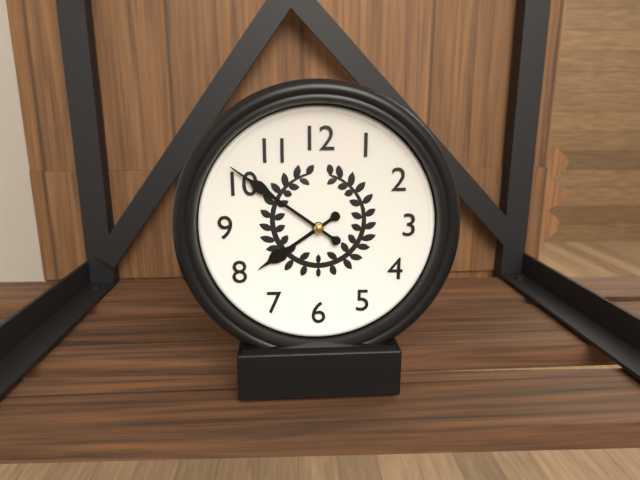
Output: 7h51
